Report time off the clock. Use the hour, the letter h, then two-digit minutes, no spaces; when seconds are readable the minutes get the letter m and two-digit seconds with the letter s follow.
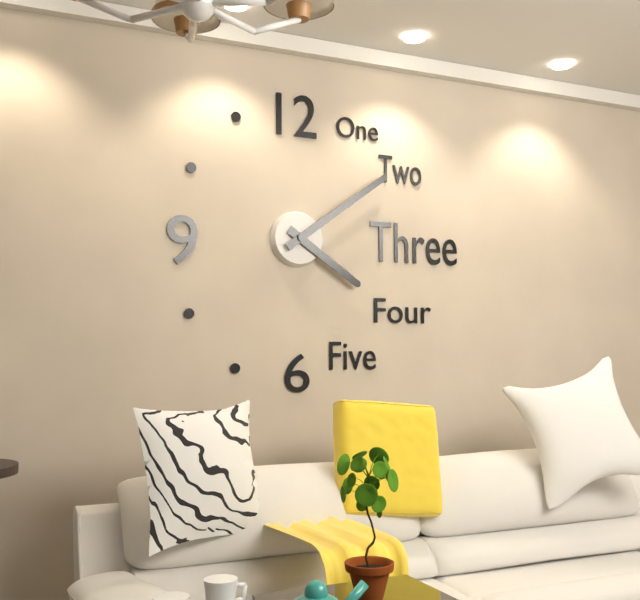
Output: 4h09
